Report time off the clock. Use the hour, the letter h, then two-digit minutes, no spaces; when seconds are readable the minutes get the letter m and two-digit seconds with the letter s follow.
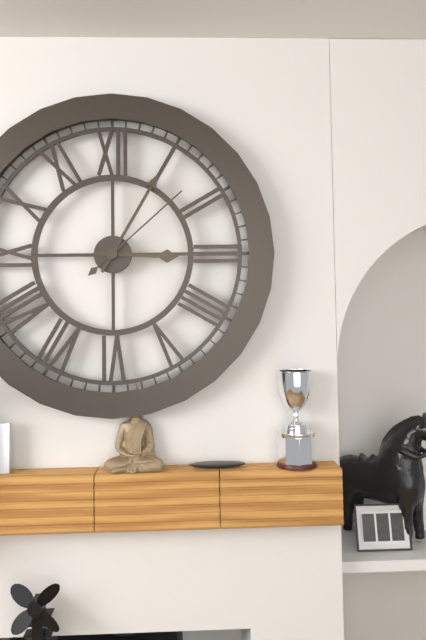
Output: 3h05m08s
